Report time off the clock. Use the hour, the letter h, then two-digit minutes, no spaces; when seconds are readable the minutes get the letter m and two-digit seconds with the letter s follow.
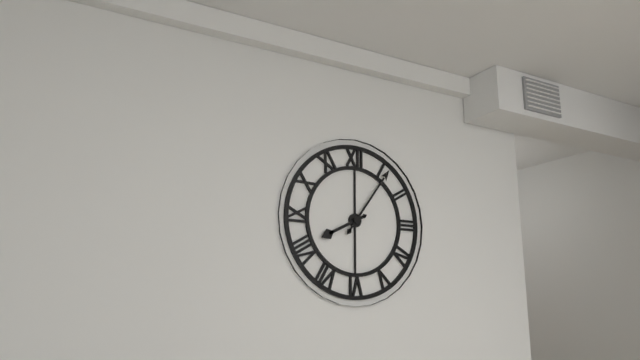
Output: 8h06
